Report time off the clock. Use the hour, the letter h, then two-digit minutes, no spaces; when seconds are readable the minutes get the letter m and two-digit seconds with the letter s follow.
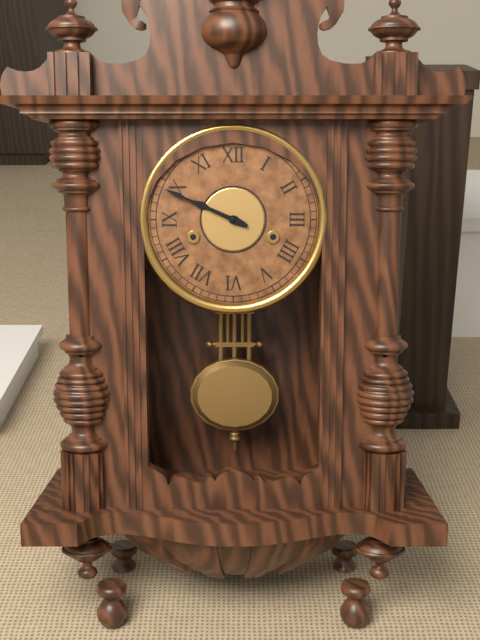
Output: 9h49
